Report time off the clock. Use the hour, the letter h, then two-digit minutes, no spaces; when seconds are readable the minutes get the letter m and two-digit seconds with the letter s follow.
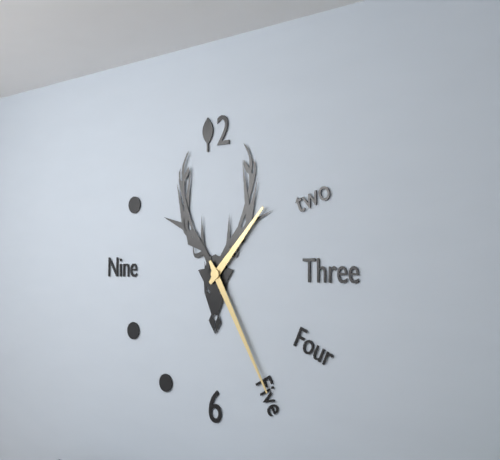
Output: 1h25
